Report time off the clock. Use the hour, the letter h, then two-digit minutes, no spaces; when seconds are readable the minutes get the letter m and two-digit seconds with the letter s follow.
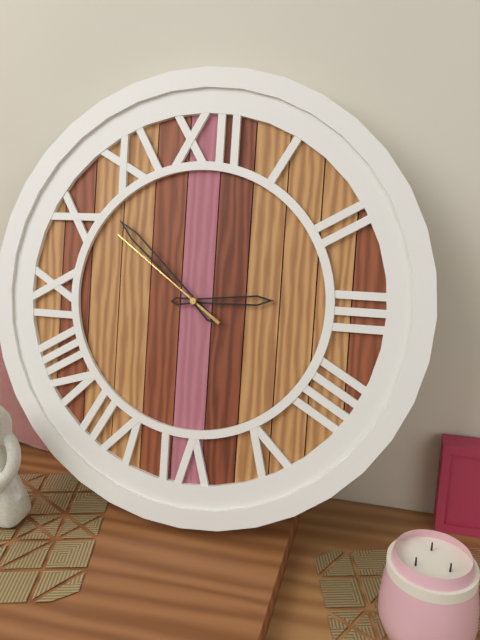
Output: 2h52m51s
